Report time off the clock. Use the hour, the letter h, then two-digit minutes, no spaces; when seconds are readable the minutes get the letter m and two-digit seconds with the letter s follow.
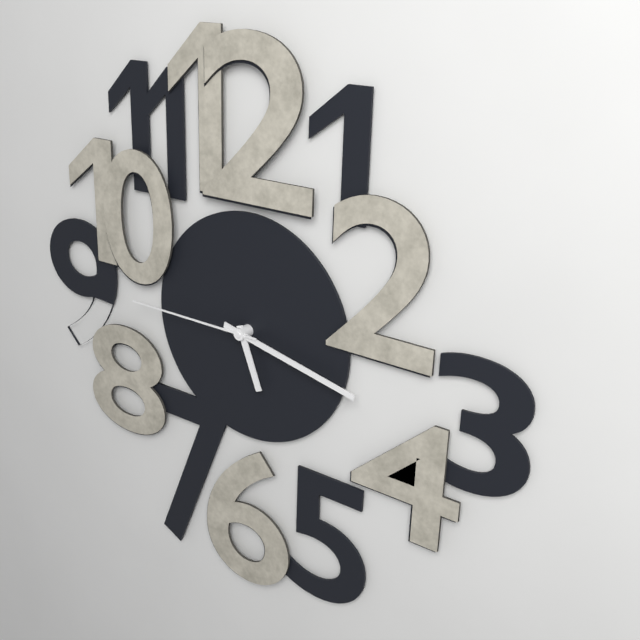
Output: 5h17m45s
